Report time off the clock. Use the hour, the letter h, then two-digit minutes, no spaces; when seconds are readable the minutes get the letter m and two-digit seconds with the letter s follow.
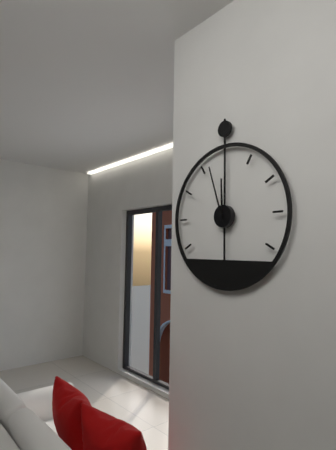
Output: 11h57
